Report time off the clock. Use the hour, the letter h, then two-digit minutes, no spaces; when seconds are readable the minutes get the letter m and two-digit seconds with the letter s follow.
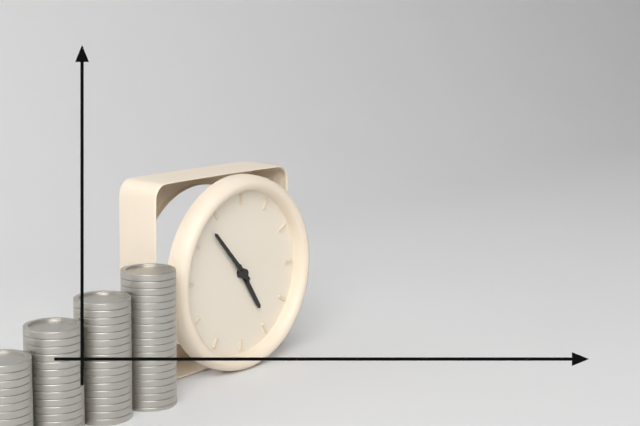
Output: 4h53
